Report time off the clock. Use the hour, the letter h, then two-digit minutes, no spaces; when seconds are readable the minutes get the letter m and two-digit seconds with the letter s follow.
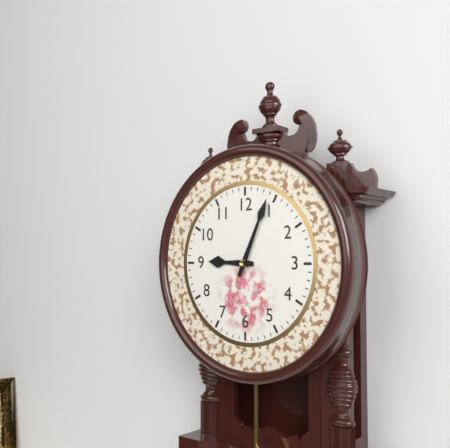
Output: 9h04
